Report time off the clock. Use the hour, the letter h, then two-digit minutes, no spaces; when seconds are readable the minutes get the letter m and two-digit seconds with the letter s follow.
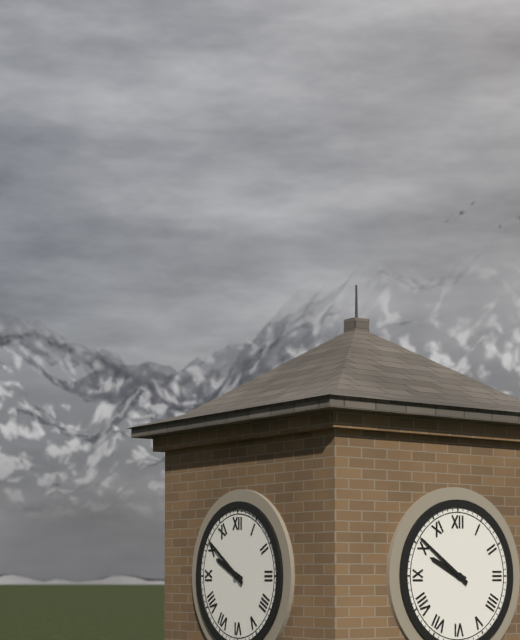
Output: 9h51
